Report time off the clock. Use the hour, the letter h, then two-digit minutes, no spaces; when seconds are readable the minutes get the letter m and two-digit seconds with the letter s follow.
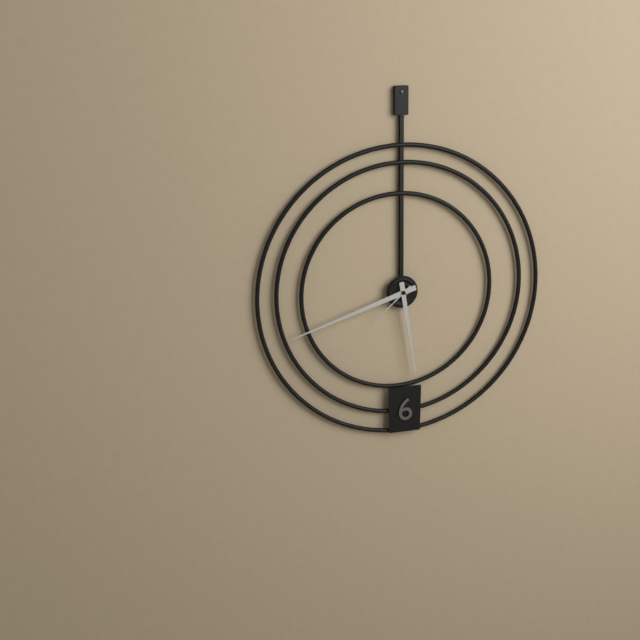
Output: 5h42m38s
